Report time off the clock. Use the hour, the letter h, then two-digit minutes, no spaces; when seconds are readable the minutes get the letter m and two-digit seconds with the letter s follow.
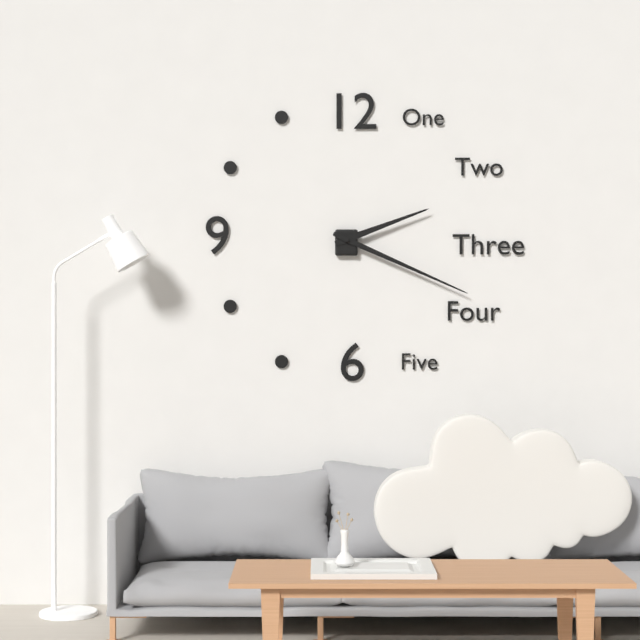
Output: 2h19
